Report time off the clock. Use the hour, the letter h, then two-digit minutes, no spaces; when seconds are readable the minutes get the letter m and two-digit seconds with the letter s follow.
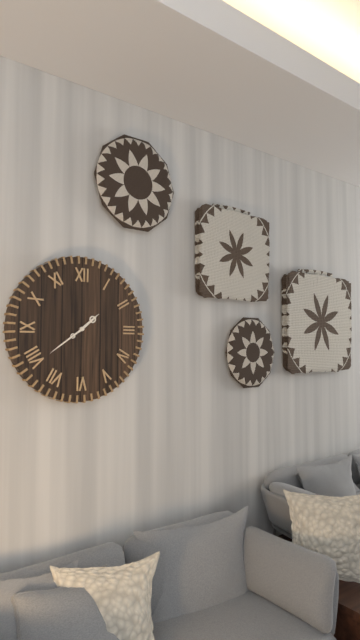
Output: 1h39
